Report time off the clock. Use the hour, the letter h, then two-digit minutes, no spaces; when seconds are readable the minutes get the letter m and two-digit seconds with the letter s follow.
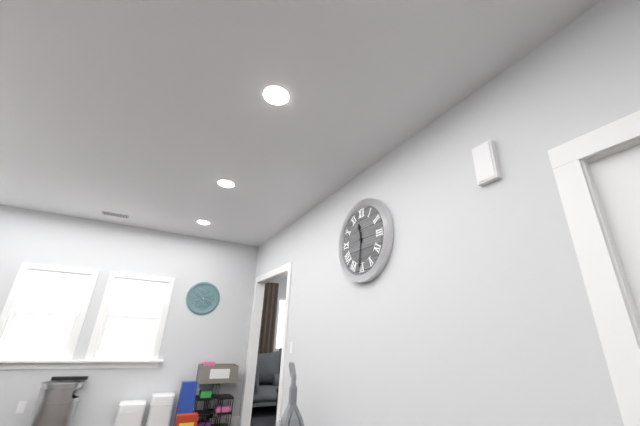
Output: 11h31
